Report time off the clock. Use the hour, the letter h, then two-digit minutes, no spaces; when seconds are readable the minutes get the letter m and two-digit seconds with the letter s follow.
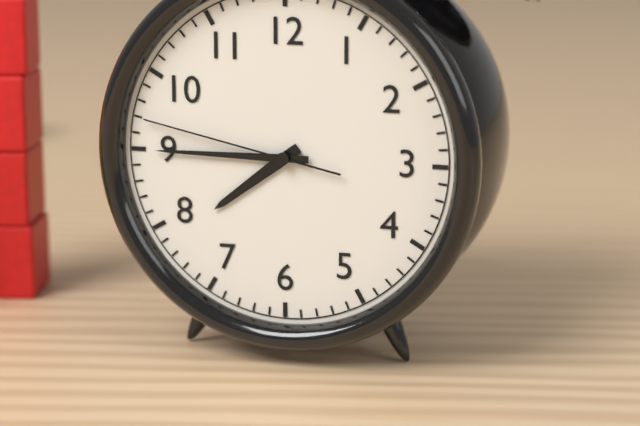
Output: 7h45m47s
